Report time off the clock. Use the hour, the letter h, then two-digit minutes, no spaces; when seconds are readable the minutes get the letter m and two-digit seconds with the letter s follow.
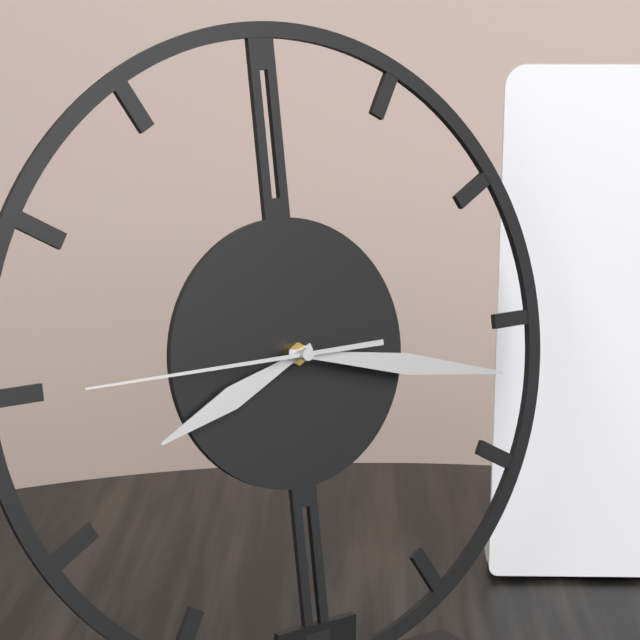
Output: 8h17m45s
